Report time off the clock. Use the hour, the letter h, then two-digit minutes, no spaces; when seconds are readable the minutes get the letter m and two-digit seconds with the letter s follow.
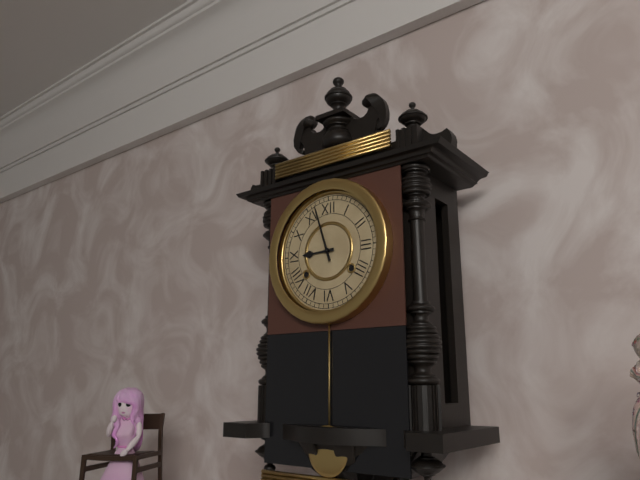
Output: 8h57
